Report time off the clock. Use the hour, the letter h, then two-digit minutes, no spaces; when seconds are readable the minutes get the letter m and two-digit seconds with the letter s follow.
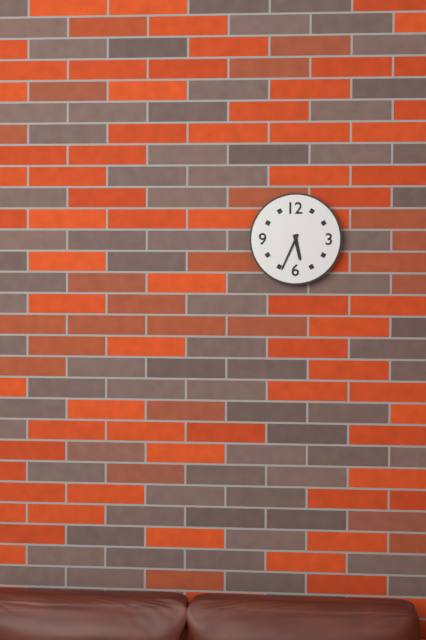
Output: 5h34
